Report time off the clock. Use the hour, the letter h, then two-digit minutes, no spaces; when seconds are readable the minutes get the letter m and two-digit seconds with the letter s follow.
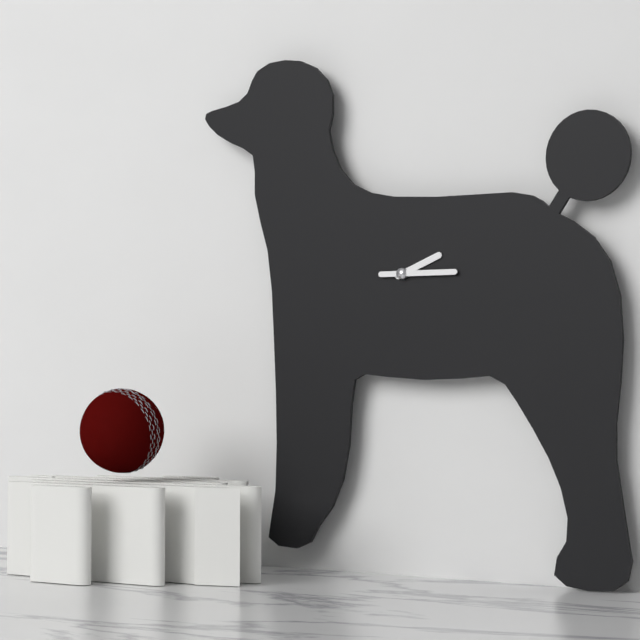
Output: 2h15
